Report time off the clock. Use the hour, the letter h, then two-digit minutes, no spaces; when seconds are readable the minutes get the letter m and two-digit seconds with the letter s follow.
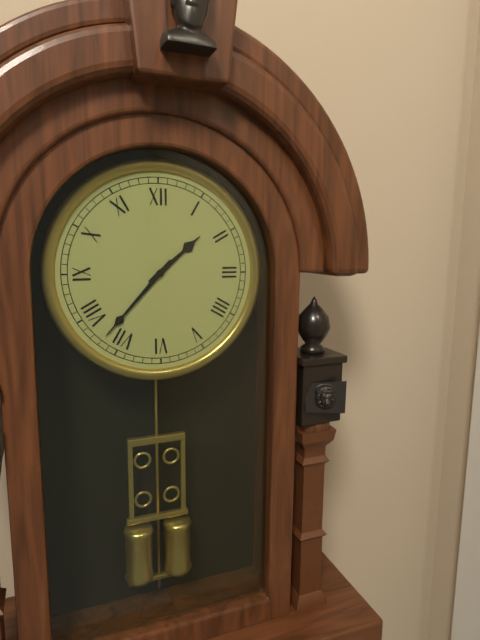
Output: 1h37
